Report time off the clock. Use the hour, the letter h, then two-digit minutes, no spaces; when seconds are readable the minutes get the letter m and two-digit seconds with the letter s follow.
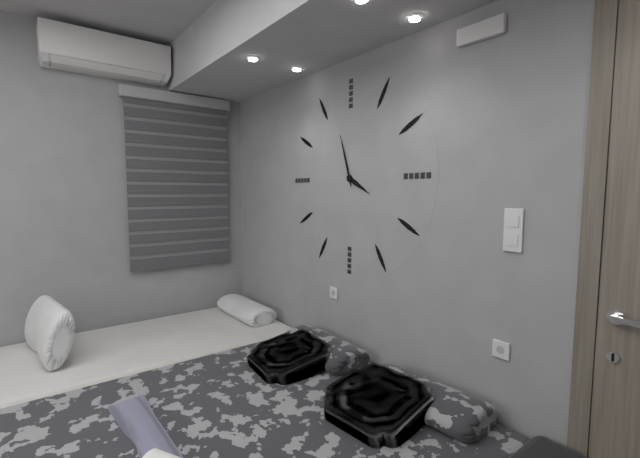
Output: 3h57
